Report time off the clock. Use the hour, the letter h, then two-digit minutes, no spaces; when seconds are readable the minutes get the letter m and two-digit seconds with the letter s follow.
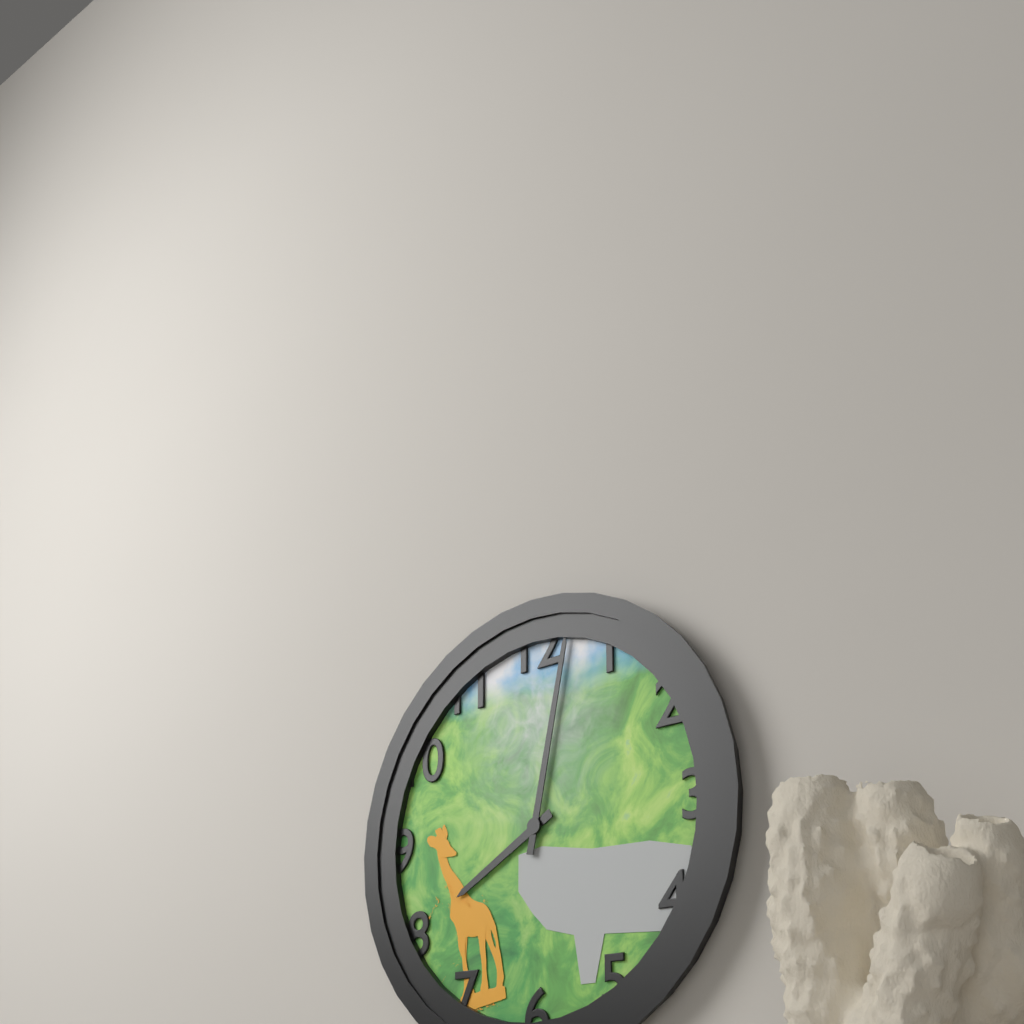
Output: 8h02
